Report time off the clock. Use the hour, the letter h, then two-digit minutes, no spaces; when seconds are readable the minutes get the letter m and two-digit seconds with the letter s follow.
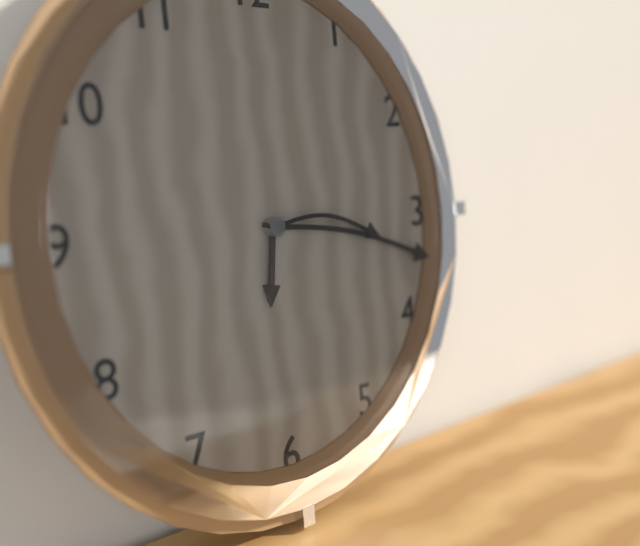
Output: 6h17m16s
